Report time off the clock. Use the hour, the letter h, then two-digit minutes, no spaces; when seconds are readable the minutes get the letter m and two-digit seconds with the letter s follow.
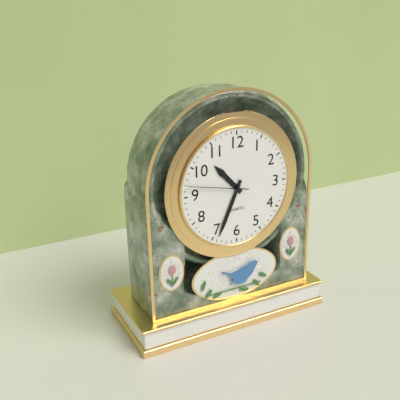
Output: 10h34m47s
